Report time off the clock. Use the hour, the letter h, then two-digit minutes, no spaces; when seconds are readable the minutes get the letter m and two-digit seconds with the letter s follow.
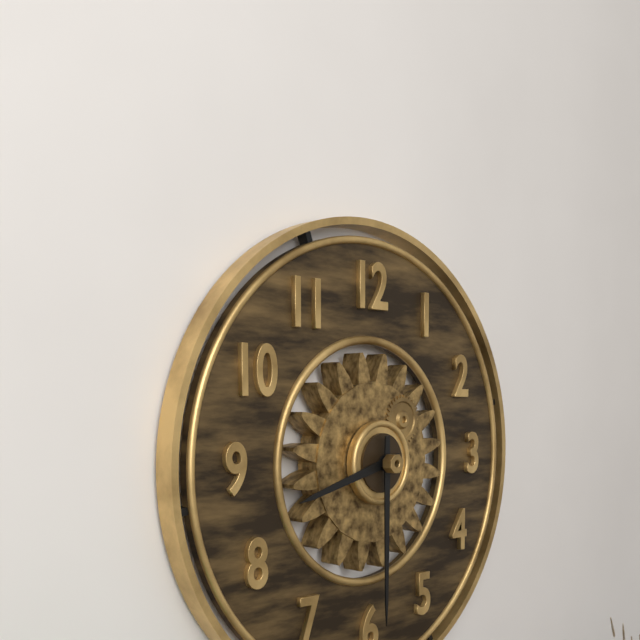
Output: 8h30
